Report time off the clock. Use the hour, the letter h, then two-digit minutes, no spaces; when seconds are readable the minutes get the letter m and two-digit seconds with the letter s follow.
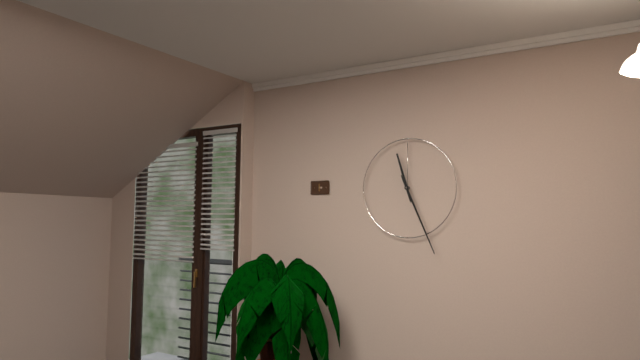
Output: 11h26
